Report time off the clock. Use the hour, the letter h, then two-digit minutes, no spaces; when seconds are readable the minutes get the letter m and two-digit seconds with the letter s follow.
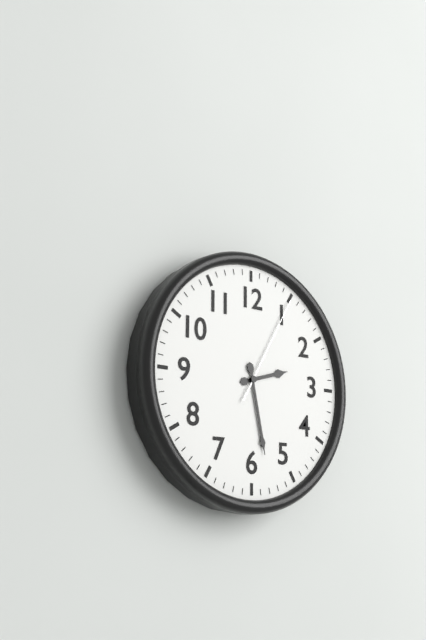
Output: 2h28m05s
